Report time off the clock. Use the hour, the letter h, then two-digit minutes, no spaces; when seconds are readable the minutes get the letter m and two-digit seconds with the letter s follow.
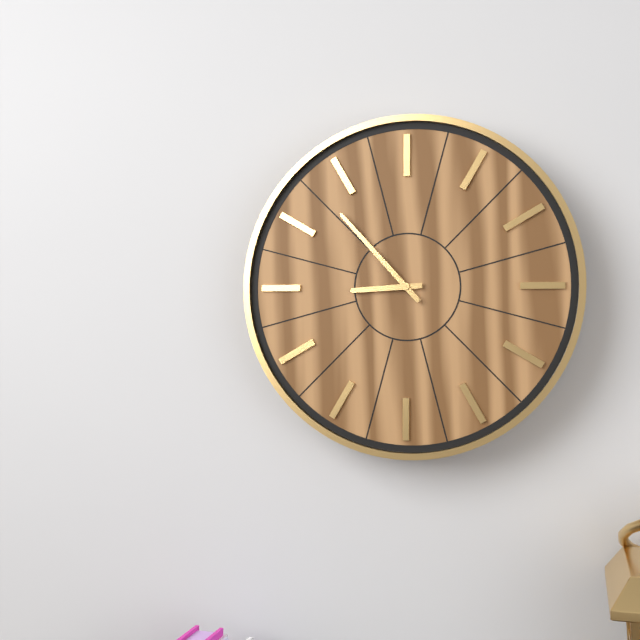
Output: 8h53
